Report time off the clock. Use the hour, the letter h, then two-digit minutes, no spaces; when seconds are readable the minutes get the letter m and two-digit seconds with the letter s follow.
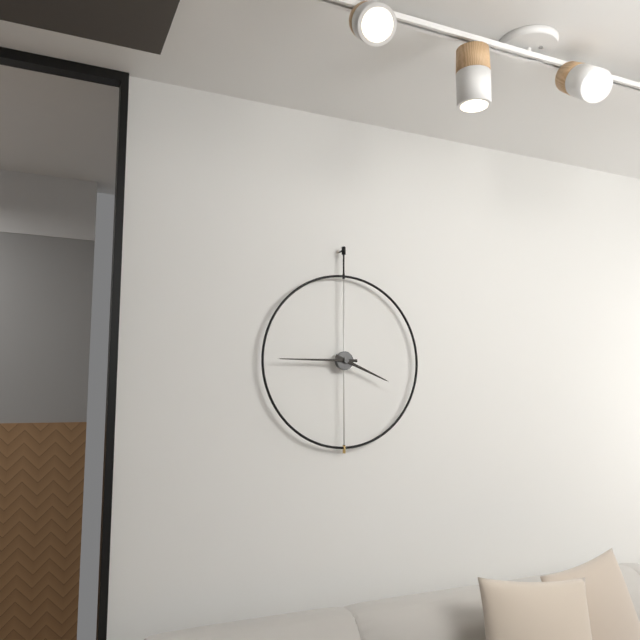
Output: 3h45
